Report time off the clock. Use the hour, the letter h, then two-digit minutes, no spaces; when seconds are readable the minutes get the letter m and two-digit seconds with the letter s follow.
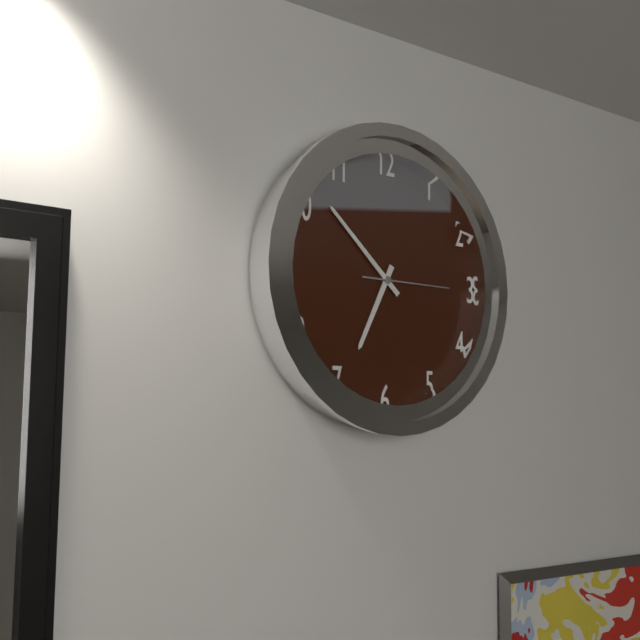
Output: 6h52m15s
